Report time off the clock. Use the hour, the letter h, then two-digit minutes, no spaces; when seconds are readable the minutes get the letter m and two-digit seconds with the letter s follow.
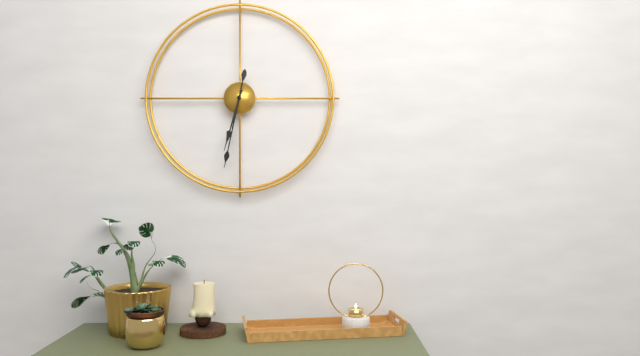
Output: 6h32
